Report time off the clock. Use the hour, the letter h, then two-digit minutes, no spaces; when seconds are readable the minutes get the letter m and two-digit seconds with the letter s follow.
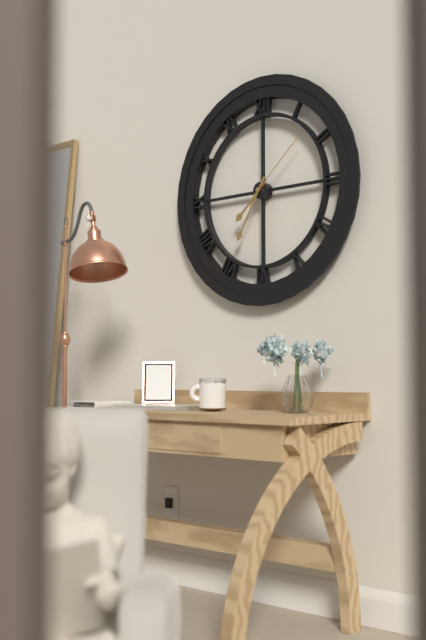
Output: 7h35m08s
